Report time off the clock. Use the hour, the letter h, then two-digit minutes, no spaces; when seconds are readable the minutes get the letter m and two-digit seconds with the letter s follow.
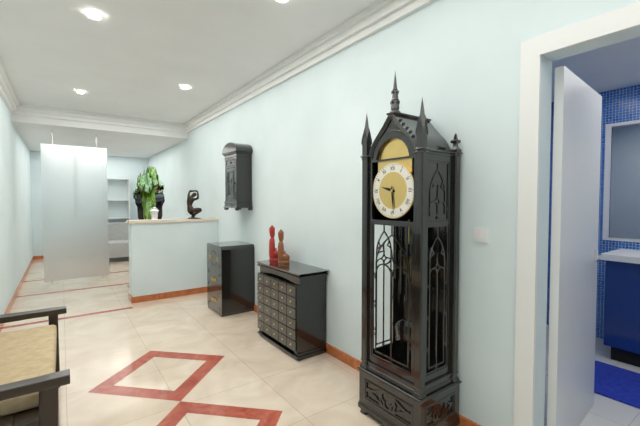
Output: 9h29
